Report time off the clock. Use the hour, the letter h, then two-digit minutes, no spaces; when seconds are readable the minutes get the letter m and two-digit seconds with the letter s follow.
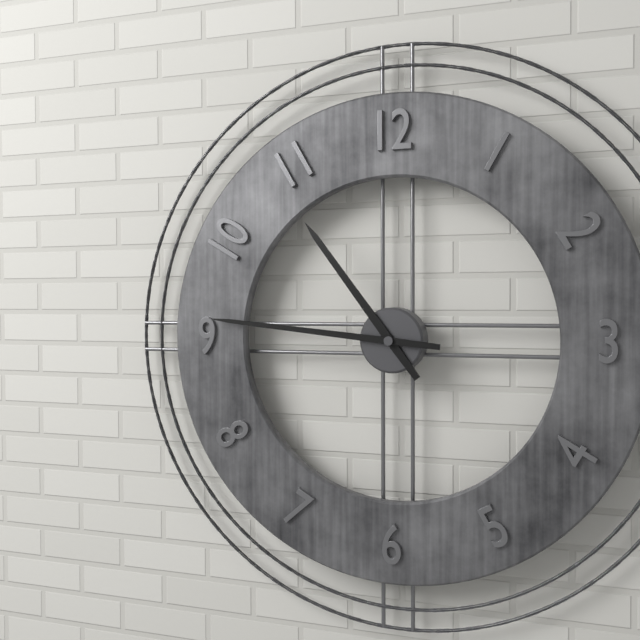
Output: 10h46
